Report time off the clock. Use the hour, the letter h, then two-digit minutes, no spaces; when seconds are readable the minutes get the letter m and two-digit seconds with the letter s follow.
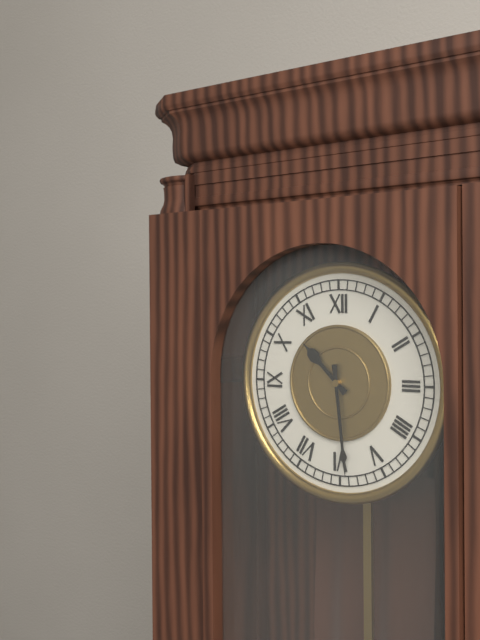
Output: 10h29
